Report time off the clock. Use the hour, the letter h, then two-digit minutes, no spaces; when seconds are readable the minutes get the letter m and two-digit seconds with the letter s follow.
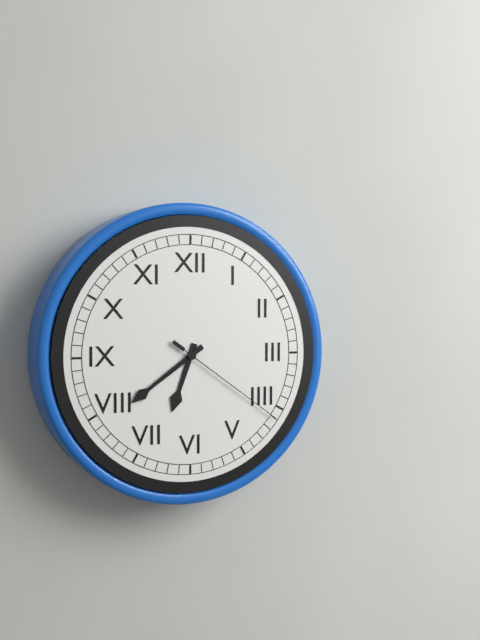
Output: 6h39m21s
